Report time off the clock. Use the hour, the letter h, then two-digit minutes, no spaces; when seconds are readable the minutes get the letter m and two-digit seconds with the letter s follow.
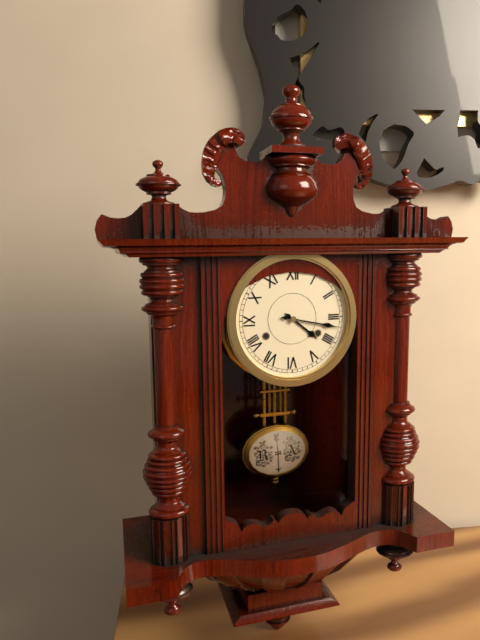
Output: 4h17
